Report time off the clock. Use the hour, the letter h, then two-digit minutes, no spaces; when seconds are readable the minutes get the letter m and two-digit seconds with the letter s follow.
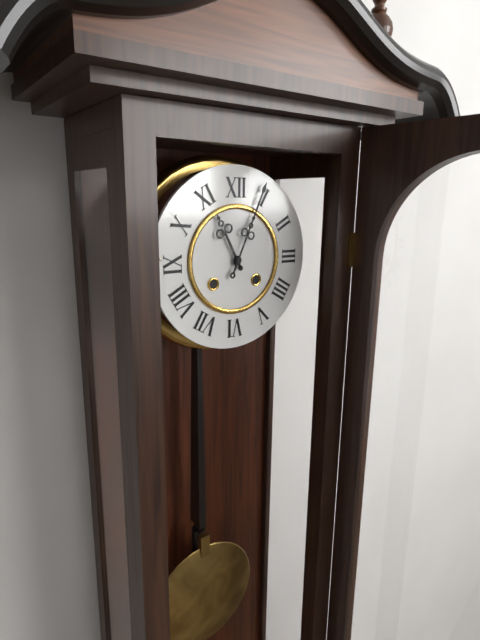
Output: 11h04
